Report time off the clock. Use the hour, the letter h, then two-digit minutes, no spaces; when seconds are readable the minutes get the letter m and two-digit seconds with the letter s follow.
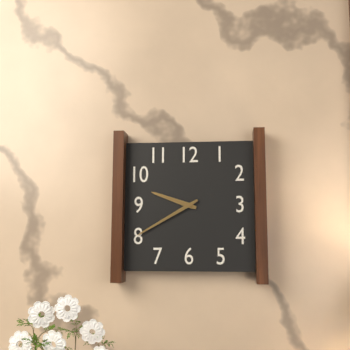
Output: 9h40
